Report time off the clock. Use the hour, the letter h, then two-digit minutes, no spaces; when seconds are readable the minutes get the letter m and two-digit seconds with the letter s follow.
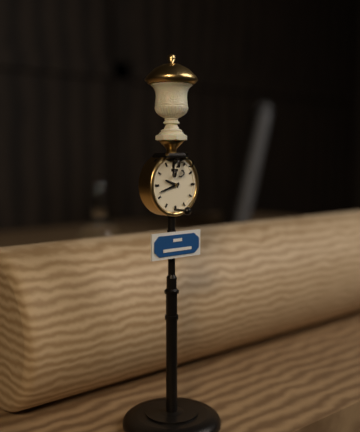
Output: 9h42
